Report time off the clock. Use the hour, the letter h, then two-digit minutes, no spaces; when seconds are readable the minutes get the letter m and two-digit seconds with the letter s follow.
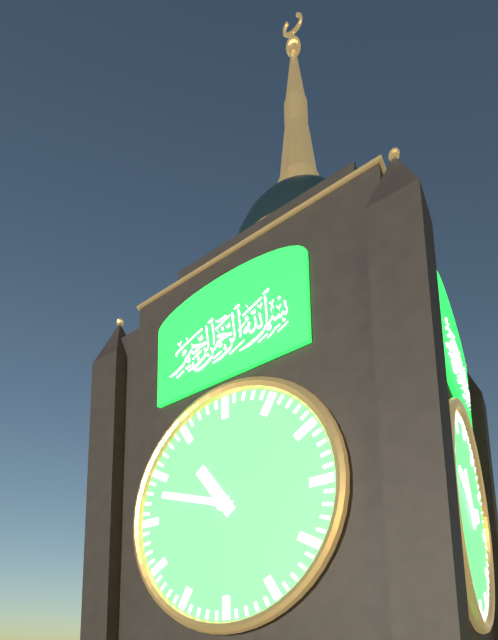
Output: 10h48
